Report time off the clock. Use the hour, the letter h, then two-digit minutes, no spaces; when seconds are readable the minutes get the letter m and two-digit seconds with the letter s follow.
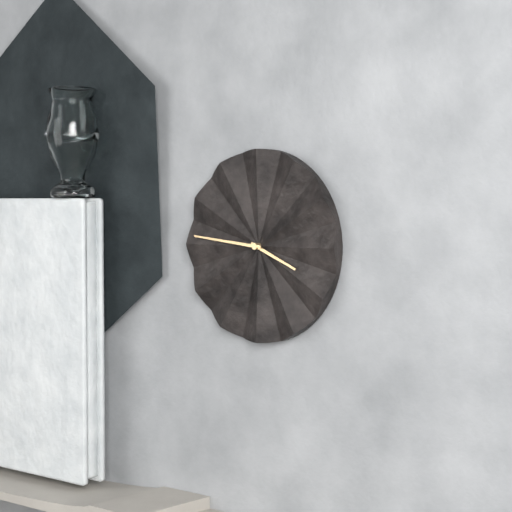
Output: 3h46
